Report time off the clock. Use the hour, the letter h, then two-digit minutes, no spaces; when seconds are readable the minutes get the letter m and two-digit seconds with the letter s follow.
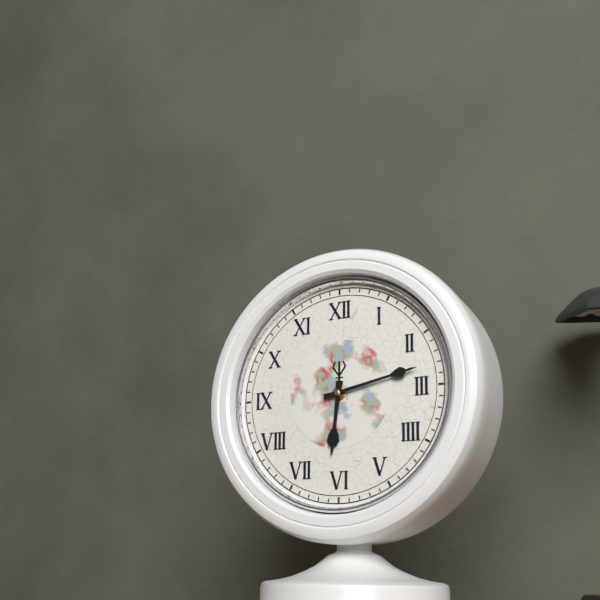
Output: 6h13
